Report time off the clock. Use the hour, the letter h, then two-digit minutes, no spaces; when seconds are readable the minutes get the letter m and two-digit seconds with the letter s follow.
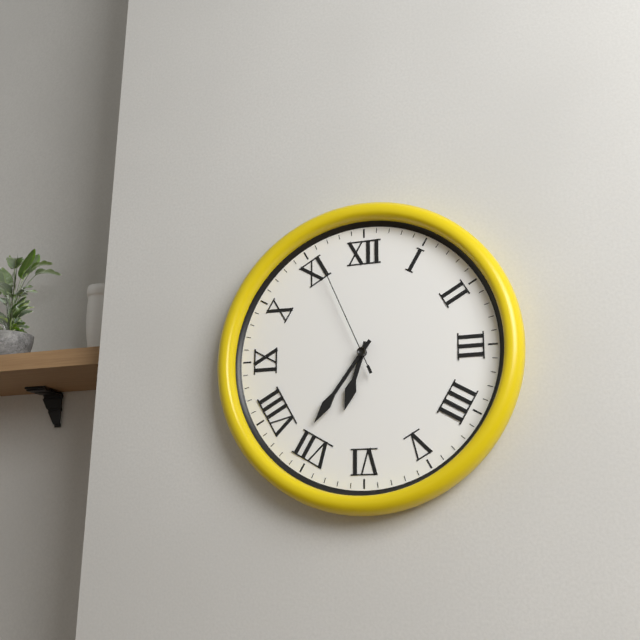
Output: 6h36m56s
